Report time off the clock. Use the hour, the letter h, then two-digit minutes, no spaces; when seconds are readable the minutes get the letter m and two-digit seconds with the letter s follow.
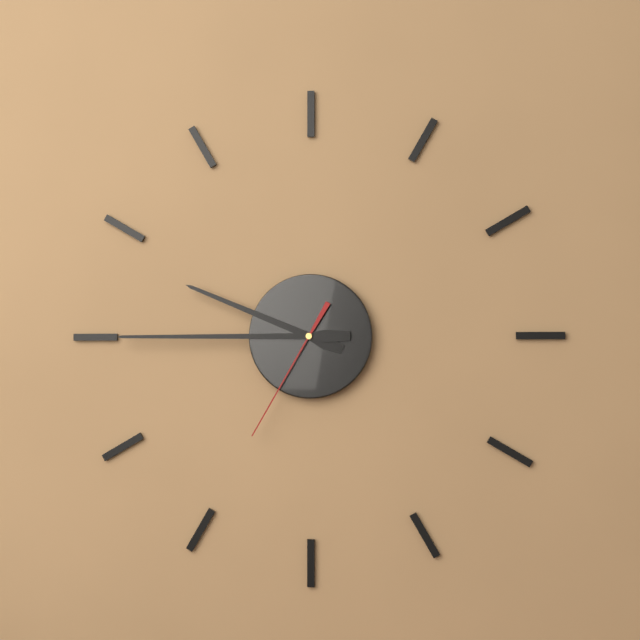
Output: 9h45m35s
